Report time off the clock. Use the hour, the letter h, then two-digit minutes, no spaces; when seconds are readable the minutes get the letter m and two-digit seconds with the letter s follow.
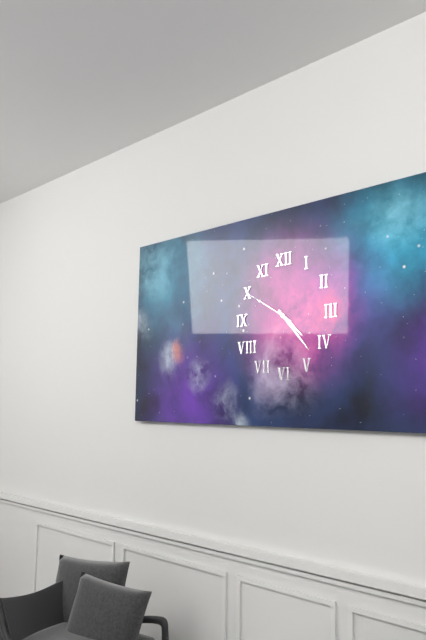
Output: 4h23m50s
